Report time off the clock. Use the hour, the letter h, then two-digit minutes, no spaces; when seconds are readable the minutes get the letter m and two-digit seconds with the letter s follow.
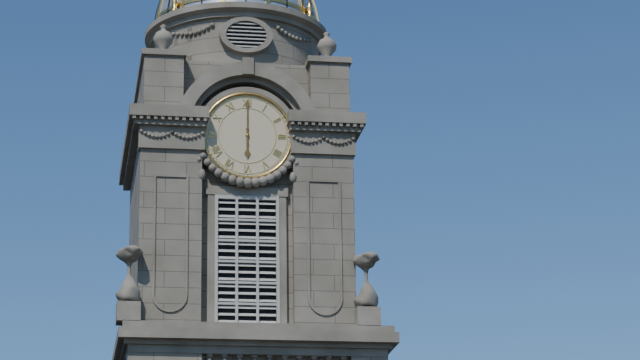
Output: 6h00
